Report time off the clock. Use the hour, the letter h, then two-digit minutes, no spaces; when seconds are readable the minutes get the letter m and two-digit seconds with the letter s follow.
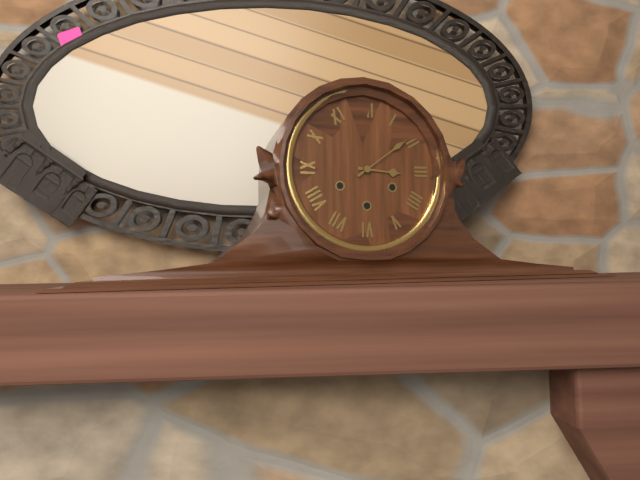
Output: 3h09
